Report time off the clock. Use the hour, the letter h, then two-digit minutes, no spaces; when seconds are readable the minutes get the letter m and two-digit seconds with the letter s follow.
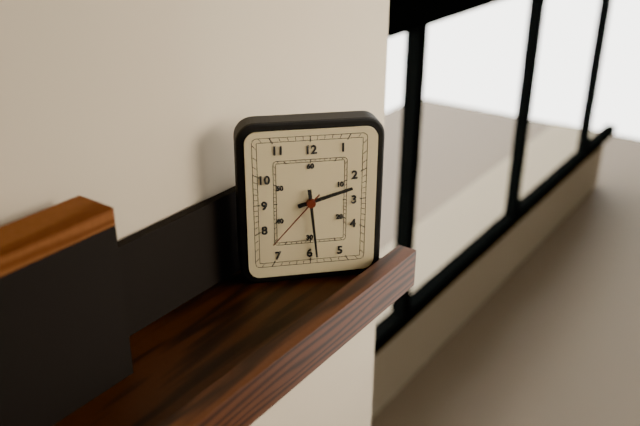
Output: 2h29m37s
